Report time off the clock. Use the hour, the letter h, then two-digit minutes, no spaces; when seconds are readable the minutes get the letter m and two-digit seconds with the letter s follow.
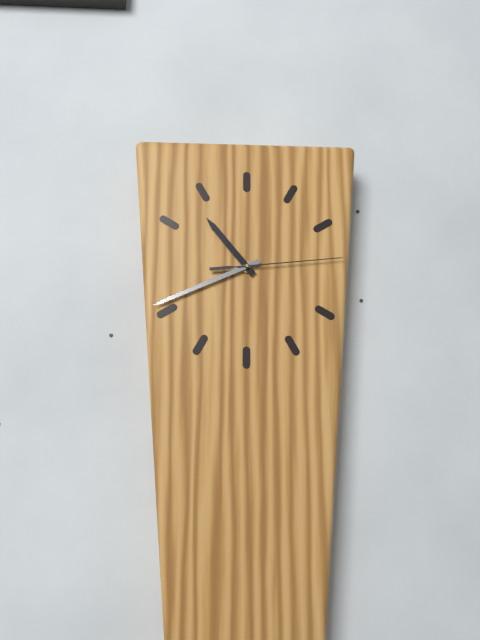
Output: 10h41m14s
